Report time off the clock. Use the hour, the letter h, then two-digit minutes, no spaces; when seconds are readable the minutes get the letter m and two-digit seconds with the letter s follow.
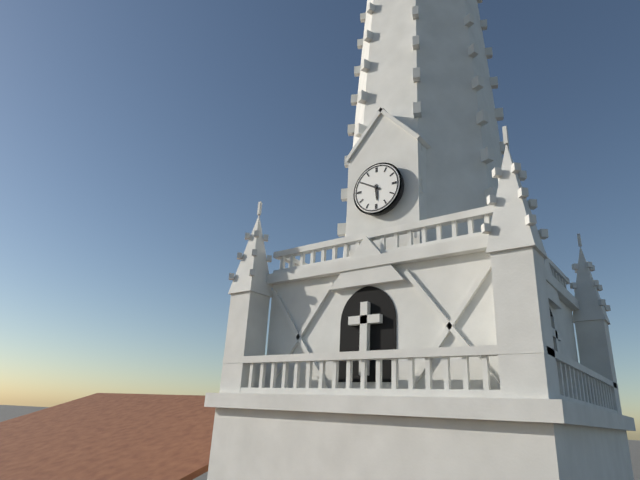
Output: 5h50
